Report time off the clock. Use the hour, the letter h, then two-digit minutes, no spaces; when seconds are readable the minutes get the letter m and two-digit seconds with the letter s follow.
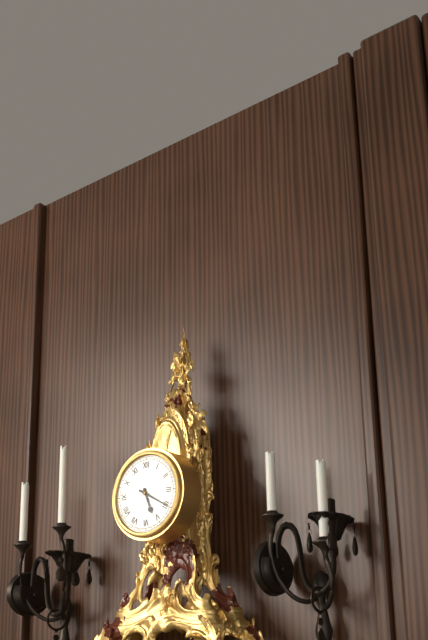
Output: 5h20
